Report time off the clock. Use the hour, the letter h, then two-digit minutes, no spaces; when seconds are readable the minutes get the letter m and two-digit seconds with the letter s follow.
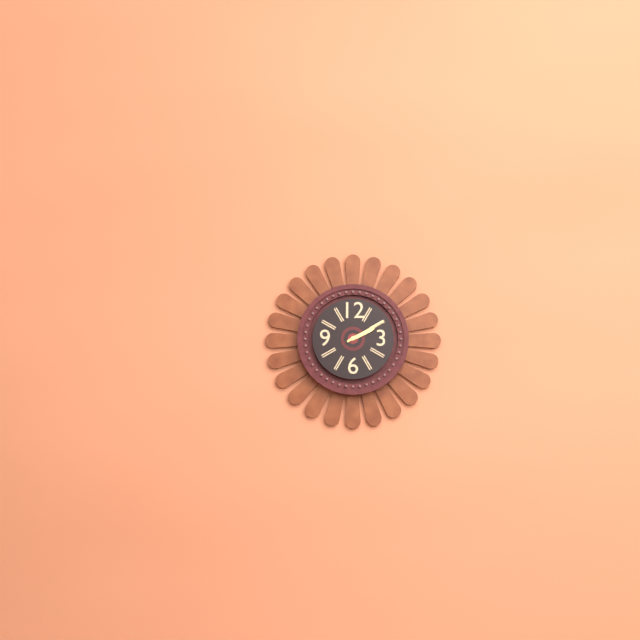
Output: 2h10
